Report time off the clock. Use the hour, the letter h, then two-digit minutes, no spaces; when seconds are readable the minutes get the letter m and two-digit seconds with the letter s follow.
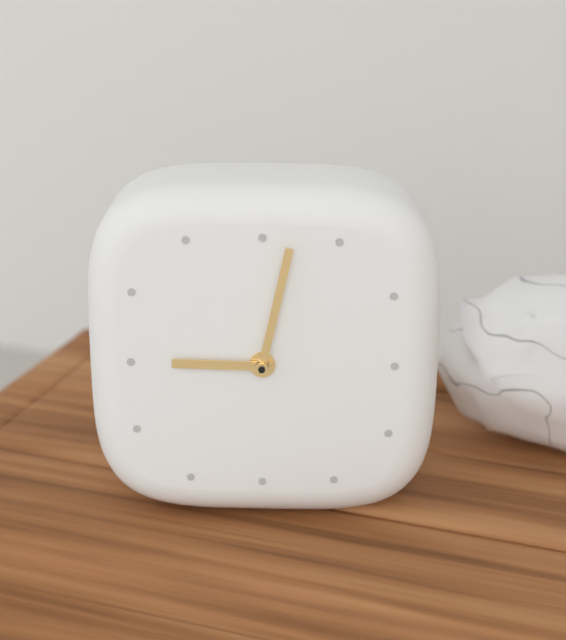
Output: 9h02
